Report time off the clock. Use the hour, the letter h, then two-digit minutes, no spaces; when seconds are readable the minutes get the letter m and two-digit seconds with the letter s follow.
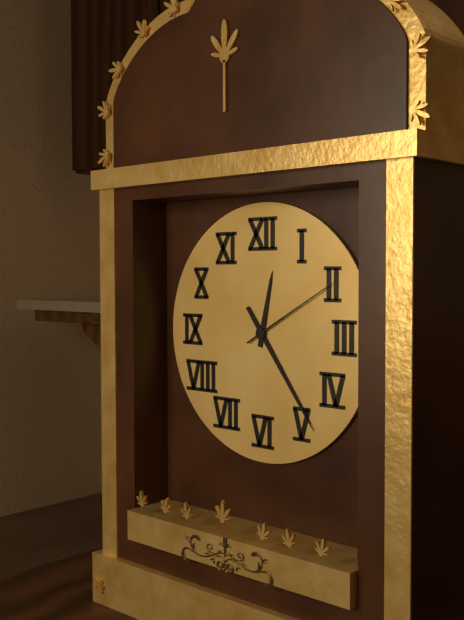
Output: 12h24m10s
